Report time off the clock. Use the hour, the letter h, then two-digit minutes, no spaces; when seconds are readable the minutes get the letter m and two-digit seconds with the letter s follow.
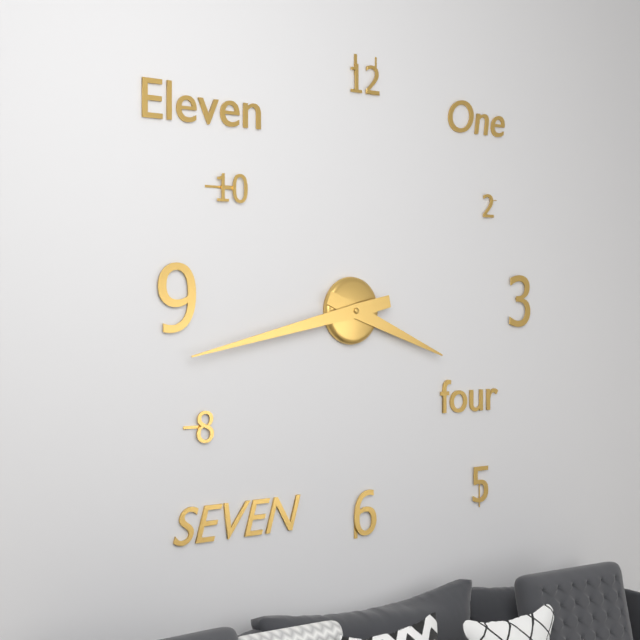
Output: 3h43
